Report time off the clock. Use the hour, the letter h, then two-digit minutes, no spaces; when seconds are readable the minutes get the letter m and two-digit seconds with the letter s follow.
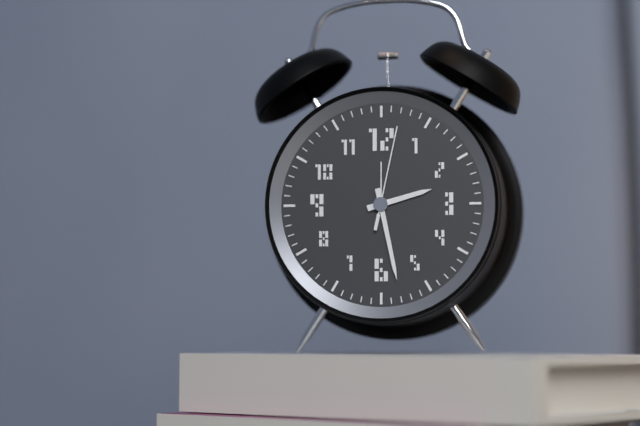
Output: 2h28m02s
